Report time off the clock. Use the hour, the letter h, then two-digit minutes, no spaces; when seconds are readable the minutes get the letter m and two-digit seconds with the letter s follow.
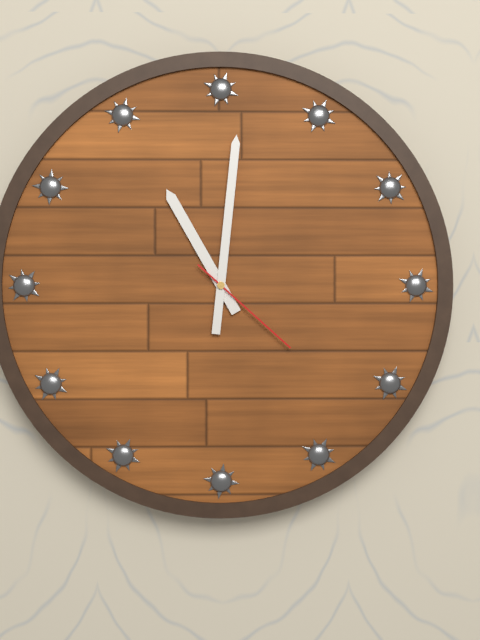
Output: 11h01m22s
